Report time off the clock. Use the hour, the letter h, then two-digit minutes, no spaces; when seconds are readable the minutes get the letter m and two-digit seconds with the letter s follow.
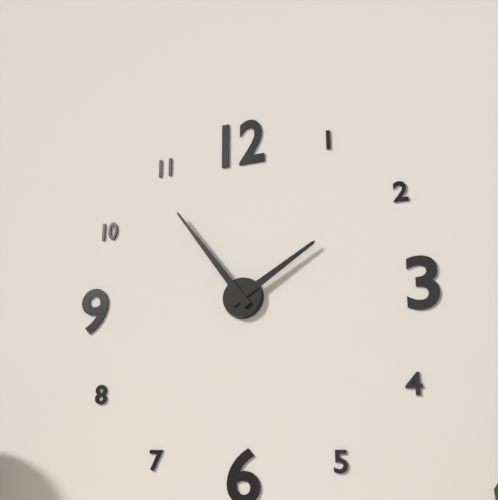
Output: 1h54
